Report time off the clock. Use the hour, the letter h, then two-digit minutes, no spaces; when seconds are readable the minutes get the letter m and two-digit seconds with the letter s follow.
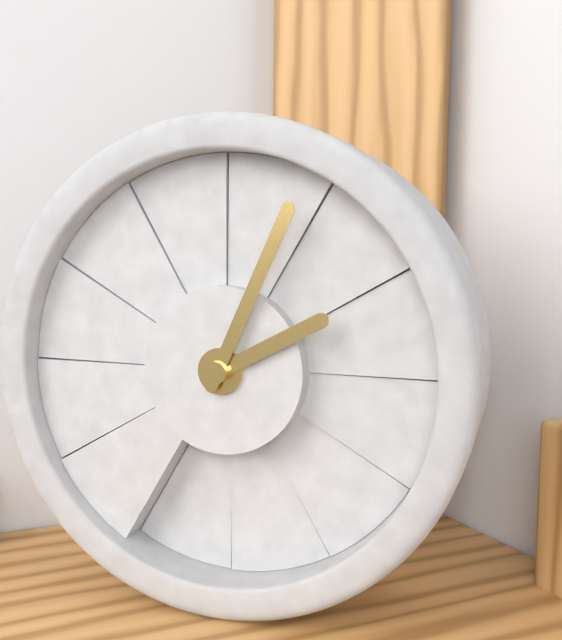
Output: 2h04
